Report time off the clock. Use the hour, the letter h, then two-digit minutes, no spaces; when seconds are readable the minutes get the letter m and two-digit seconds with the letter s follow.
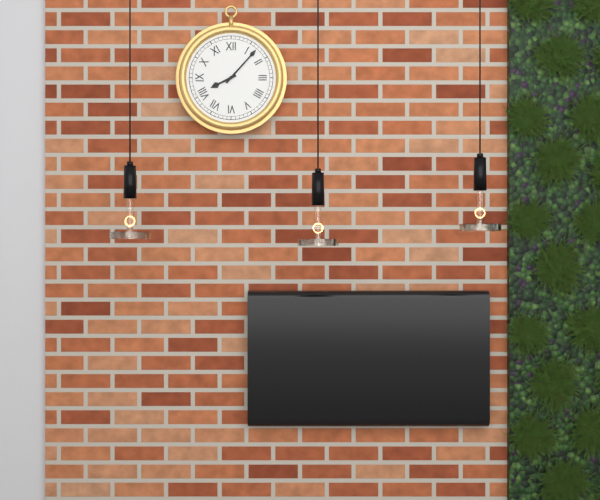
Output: 8h07
